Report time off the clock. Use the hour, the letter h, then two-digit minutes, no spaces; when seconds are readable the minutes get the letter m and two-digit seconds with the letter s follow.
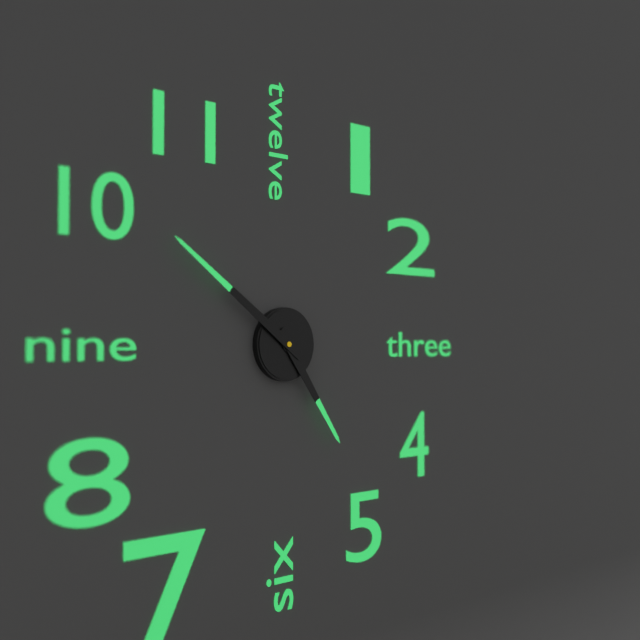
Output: 4h51
